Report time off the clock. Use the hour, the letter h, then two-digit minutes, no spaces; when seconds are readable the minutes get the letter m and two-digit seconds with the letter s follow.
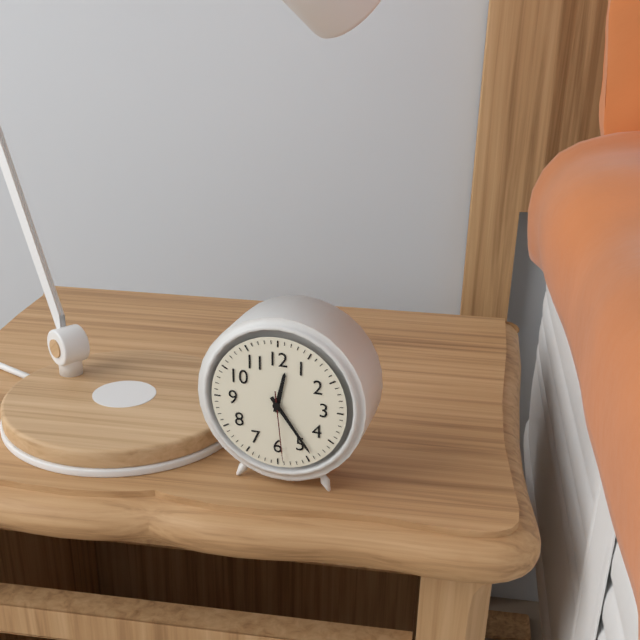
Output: 12h24m29s
